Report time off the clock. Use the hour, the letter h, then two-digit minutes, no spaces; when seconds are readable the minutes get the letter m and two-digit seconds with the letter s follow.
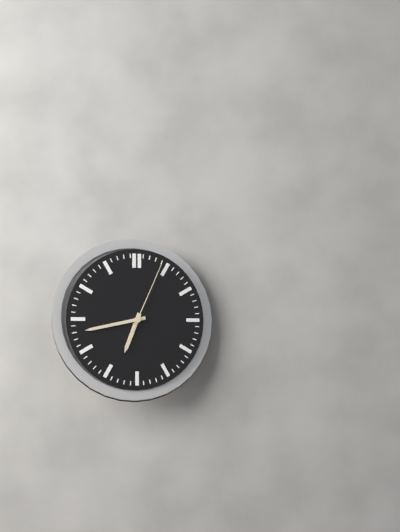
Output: 6h43m04s
